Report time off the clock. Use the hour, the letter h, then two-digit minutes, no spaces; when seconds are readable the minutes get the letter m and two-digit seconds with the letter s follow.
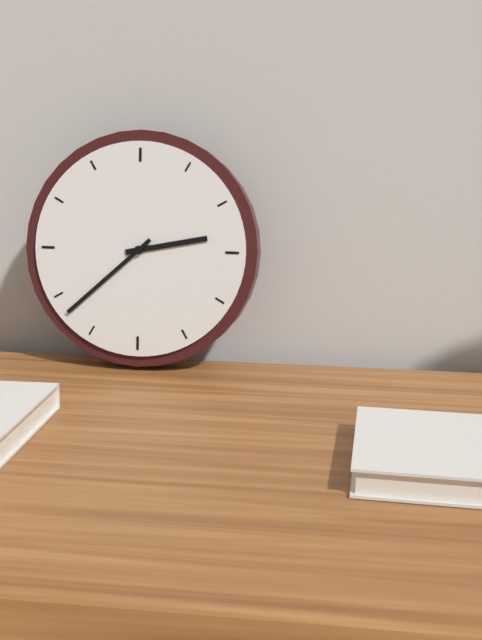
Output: 2h38
